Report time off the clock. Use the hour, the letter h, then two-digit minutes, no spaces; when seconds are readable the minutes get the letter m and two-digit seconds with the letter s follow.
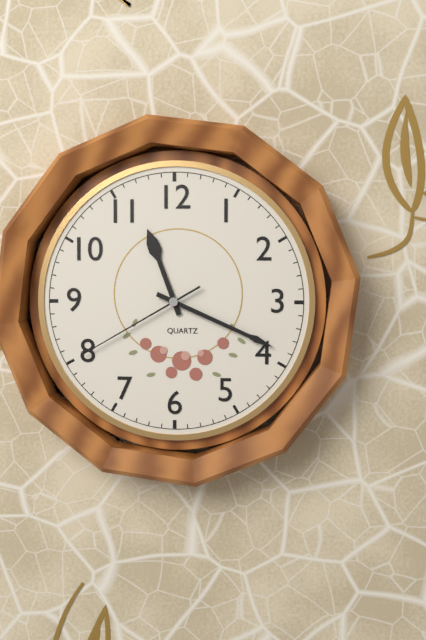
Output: 11h19m40s
